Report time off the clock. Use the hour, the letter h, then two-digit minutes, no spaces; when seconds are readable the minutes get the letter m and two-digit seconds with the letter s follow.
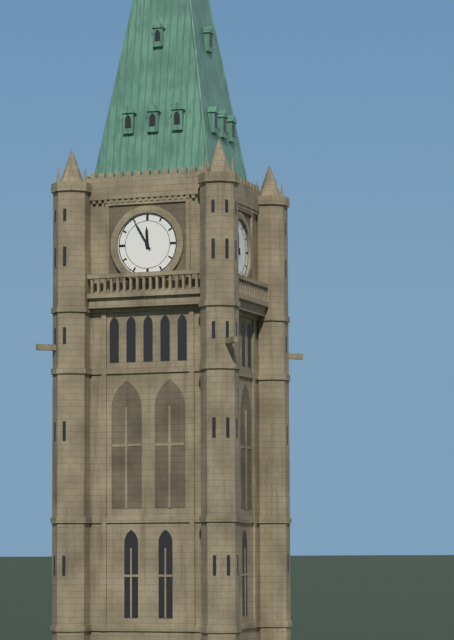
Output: 11h55
